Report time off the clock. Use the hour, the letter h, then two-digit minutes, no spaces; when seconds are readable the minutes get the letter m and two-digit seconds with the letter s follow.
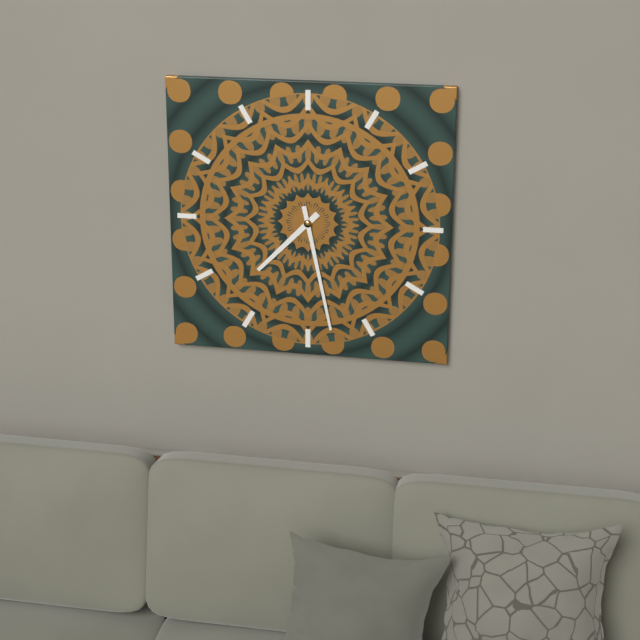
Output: 7h28
